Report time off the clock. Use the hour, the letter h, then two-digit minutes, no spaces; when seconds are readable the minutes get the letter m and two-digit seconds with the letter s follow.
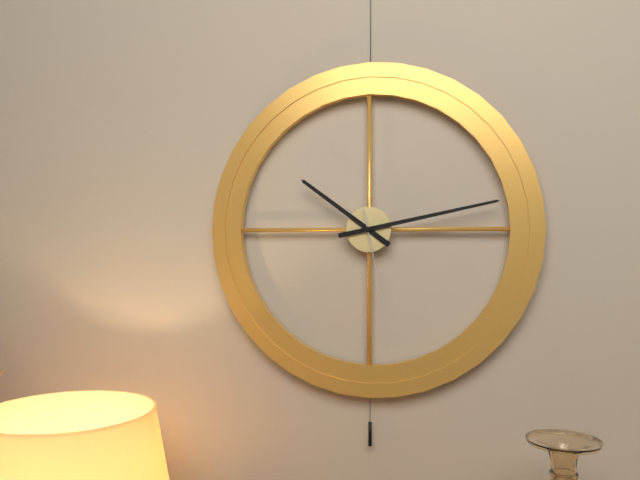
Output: 10h13m28s
